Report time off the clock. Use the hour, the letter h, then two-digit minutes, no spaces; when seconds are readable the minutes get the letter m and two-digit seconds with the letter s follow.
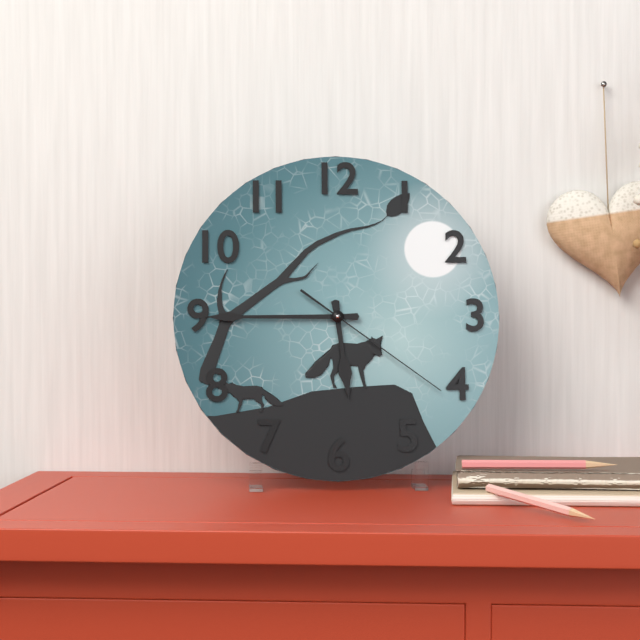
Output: 5h45m21s
